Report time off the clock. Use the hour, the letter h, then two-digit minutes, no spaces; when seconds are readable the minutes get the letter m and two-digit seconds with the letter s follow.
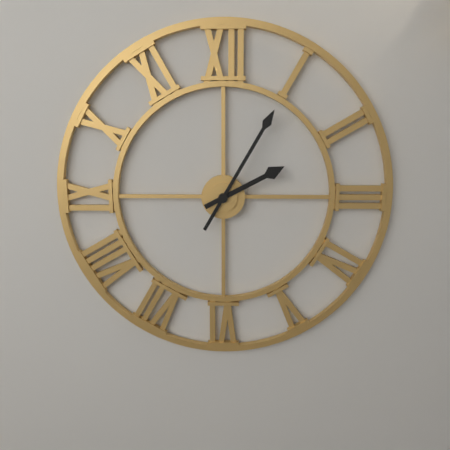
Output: 2h05
